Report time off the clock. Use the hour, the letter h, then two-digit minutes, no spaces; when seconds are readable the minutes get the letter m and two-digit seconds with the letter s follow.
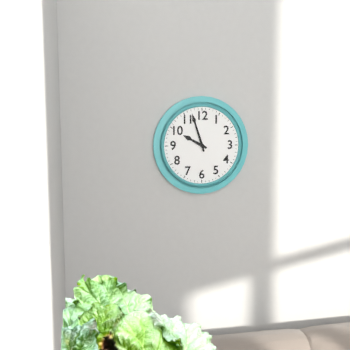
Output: 9h57
